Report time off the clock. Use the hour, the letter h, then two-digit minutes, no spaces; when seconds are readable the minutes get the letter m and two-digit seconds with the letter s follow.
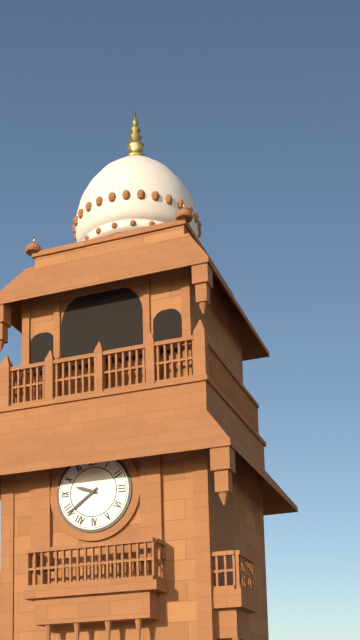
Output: 9h39
